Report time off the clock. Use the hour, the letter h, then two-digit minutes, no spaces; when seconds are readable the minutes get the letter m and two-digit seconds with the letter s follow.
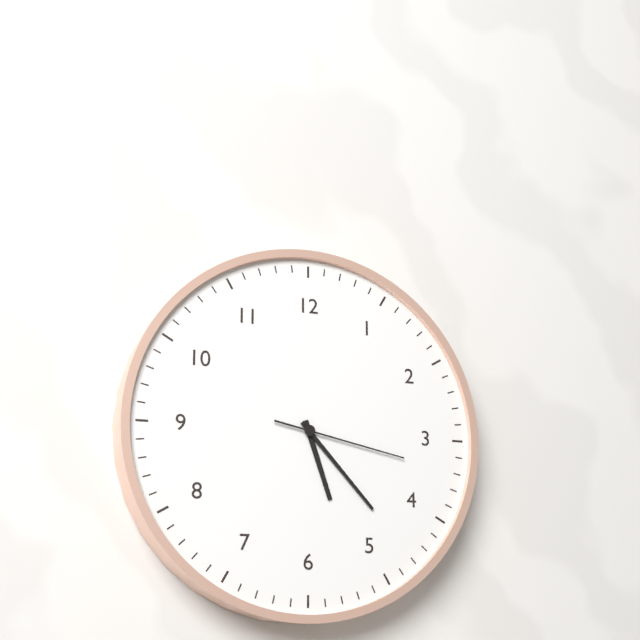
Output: 5h23m17s
